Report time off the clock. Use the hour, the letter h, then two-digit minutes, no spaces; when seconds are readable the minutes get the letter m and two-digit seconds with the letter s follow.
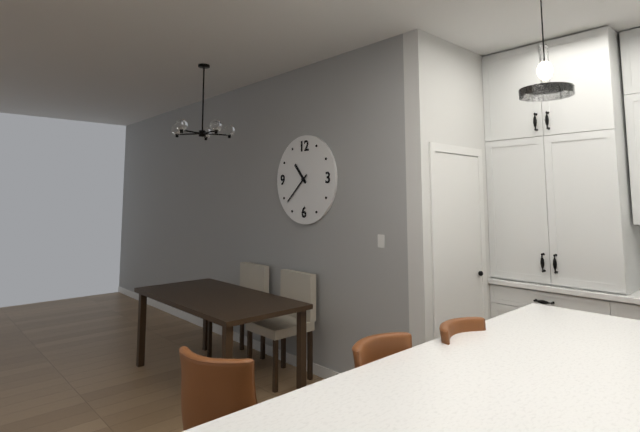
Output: 10h38
